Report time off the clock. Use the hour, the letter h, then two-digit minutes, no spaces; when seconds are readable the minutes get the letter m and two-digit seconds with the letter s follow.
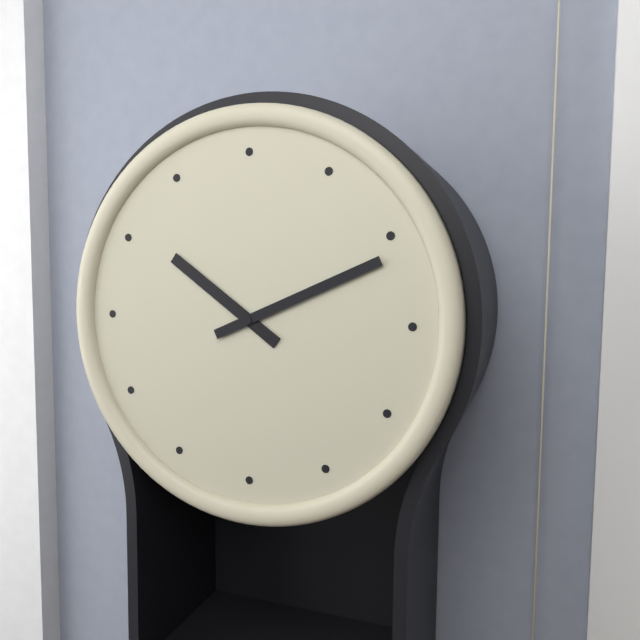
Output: 10h11
